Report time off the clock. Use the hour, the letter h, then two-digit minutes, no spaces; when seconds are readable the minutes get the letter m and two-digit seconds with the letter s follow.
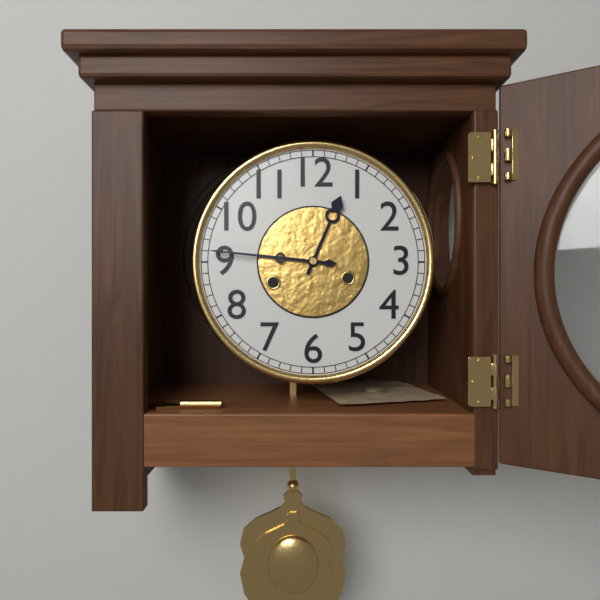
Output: 12h46
